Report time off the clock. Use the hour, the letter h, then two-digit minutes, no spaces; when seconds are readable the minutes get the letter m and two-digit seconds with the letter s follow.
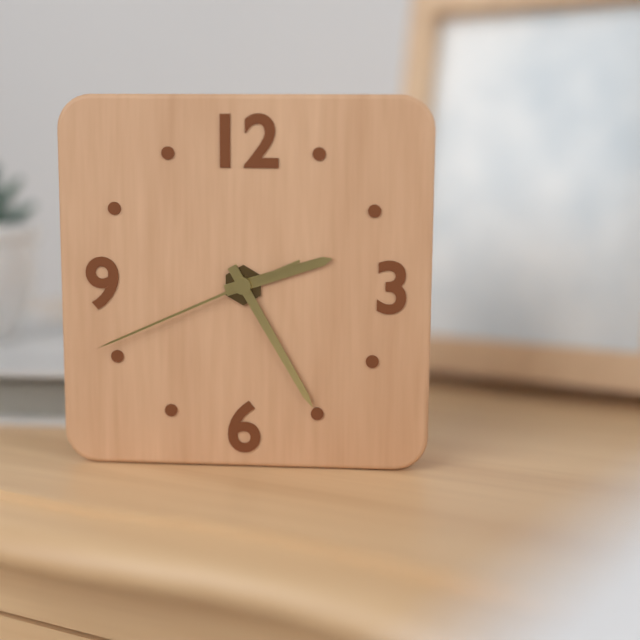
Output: 2h25m41s
